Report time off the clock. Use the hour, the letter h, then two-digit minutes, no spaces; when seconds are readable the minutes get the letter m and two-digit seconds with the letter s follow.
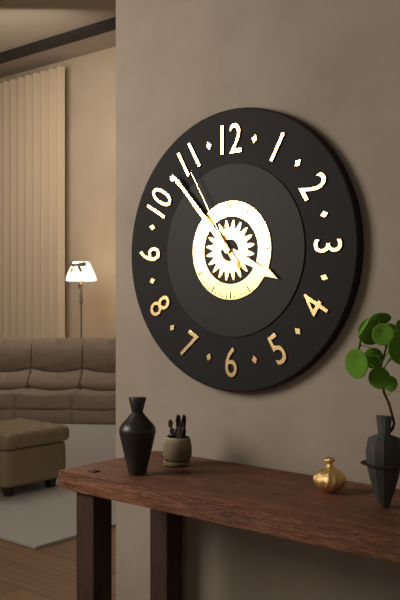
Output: 3h53m55s
